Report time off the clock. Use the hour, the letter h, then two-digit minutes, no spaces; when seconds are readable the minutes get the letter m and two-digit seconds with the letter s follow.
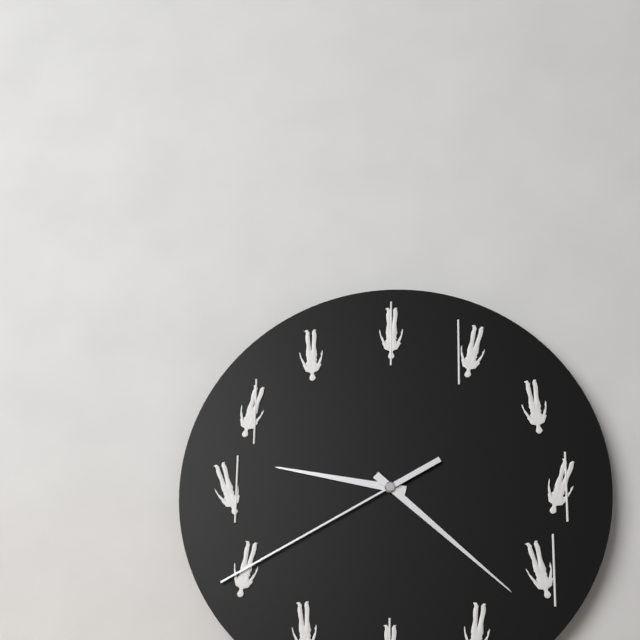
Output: 9h22m40s
